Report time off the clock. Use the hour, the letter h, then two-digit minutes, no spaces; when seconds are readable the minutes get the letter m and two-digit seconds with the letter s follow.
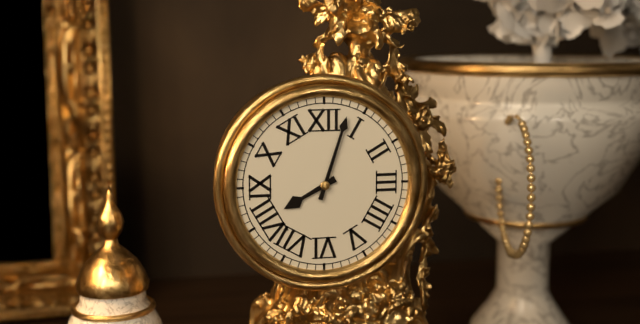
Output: 8h03
